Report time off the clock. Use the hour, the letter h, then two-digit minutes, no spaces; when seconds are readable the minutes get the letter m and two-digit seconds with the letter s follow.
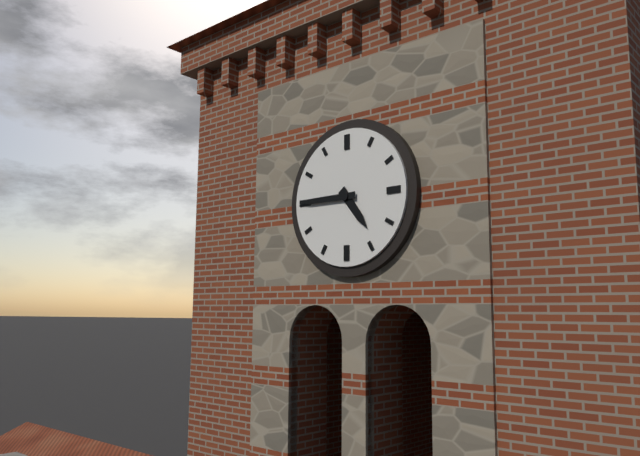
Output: 4h45
